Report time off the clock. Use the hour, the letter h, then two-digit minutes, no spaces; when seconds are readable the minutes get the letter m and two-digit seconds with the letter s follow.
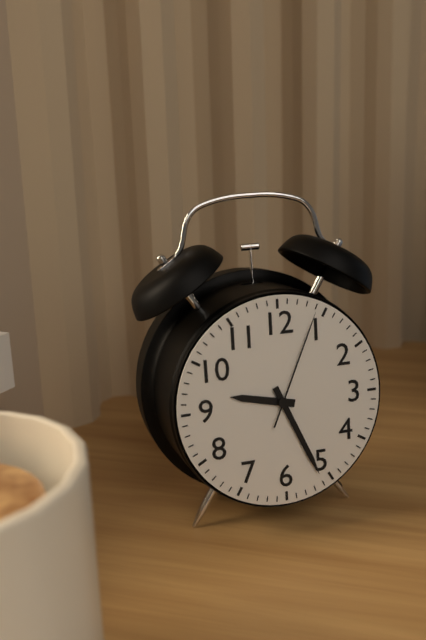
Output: 9h26m04s
